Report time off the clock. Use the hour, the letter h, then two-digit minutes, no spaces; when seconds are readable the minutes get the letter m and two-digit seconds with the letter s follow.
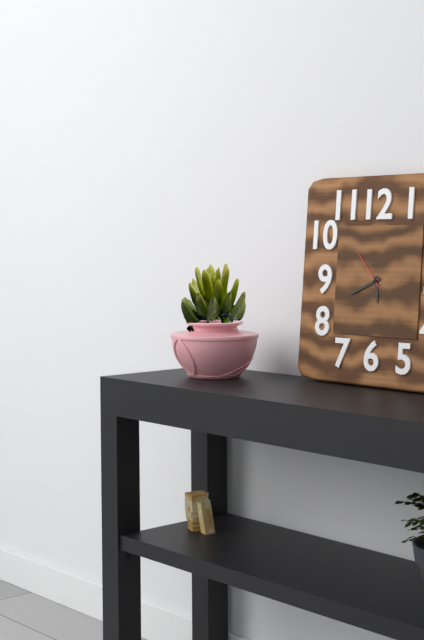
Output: 5h41
